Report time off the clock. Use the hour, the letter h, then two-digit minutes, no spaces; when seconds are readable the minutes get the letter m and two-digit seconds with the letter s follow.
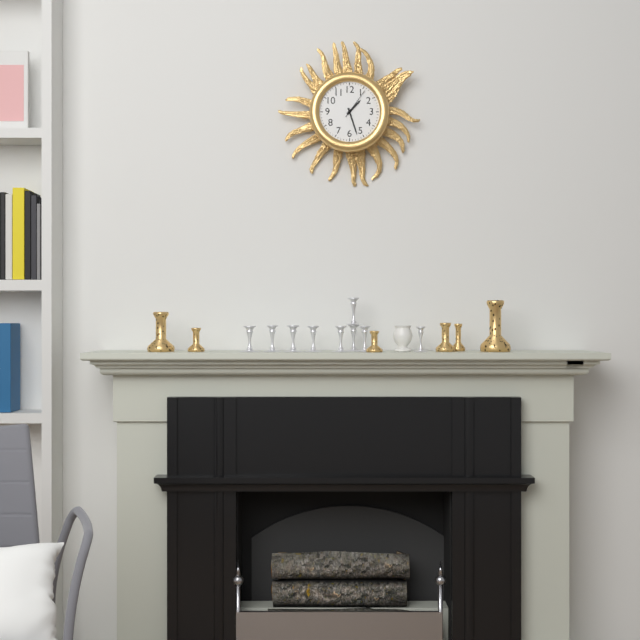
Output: 1h27
